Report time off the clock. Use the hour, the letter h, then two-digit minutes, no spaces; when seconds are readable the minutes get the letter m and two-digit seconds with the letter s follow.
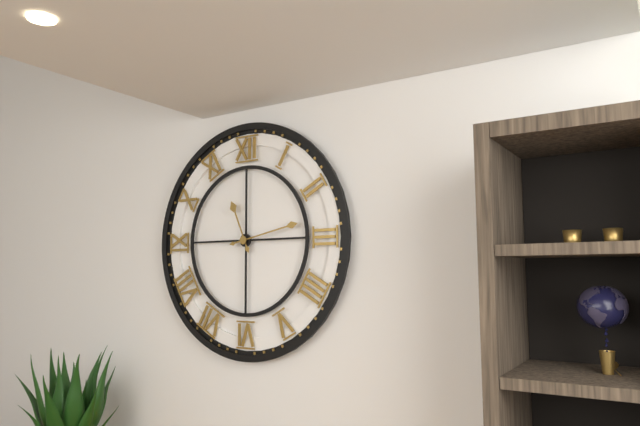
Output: 11h13
